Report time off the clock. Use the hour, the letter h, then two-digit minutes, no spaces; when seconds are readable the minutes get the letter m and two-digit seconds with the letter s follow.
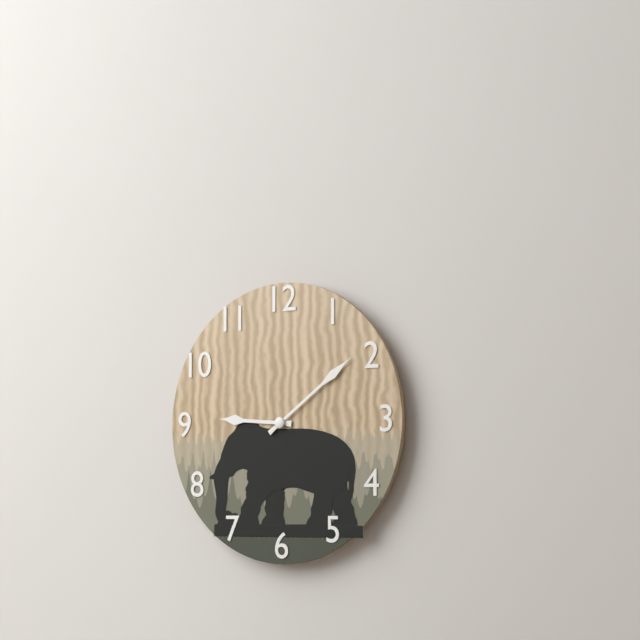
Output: 9h09
